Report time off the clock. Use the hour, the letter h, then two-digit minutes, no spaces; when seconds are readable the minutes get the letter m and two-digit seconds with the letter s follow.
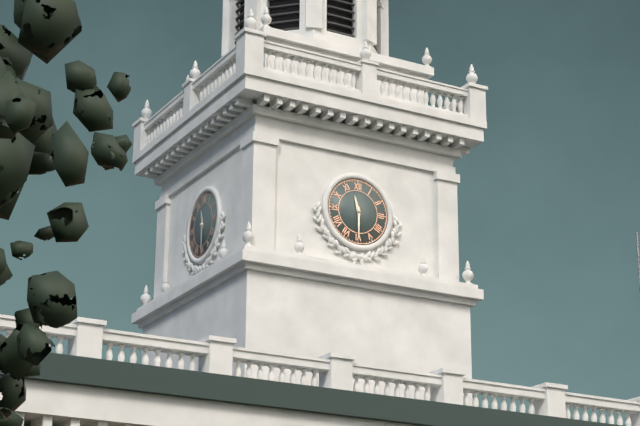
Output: 11h30
